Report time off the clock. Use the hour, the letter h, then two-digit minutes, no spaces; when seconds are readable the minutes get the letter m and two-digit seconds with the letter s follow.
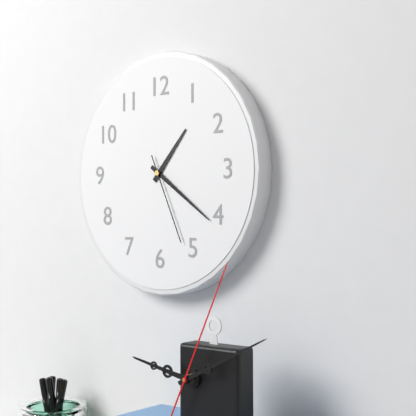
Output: 1h21m26s
